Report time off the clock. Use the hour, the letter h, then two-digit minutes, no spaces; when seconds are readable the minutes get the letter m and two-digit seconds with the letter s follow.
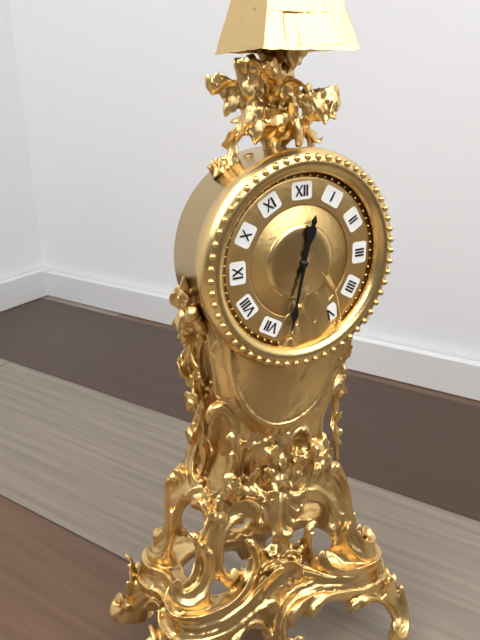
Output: 12h32
